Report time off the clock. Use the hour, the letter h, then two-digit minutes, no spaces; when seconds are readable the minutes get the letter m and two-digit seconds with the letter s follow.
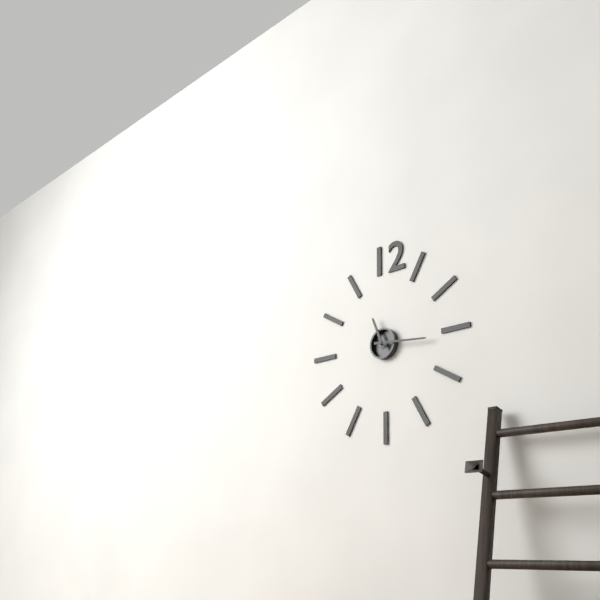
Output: 11h16
